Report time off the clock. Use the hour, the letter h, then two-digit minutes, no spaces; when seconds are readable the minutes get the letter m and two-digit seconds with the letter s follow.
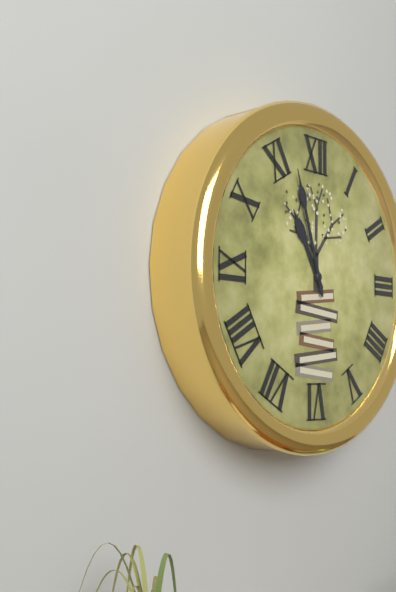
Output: 10h57
